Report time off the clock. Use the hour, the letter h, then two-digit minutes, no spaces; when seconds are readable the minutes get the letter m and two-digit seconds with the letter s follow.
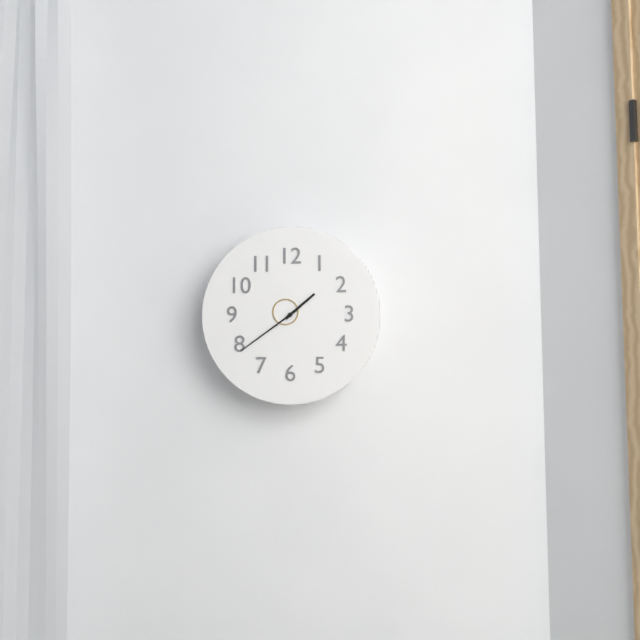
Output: 1h39
